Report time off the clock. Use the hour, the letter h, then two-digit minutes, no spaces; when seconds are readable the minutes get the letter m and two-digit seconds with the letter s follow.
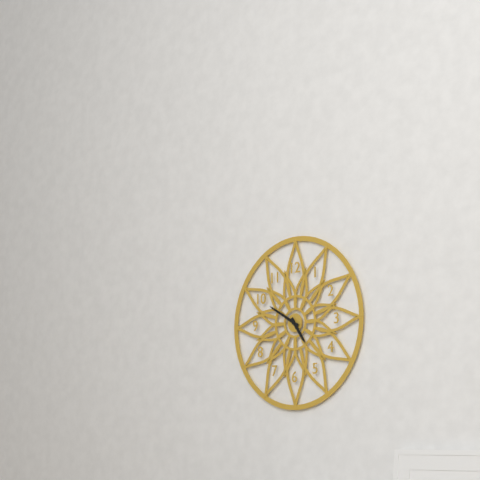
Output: 4h50
